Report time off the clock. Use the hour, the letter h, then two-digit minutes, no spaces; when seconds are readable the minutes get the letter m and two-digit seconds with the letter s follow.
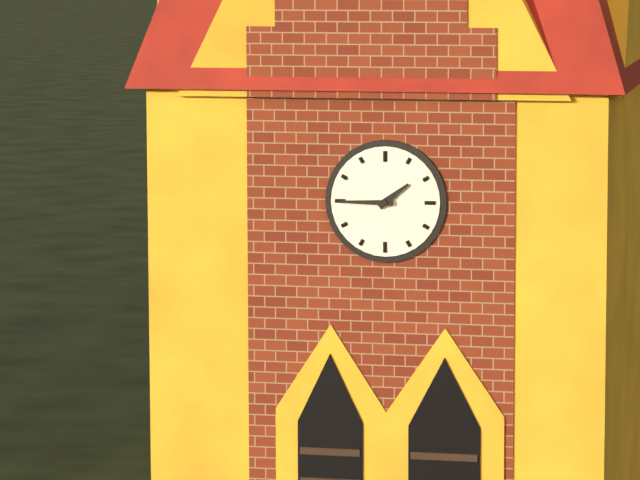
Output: 1h45
